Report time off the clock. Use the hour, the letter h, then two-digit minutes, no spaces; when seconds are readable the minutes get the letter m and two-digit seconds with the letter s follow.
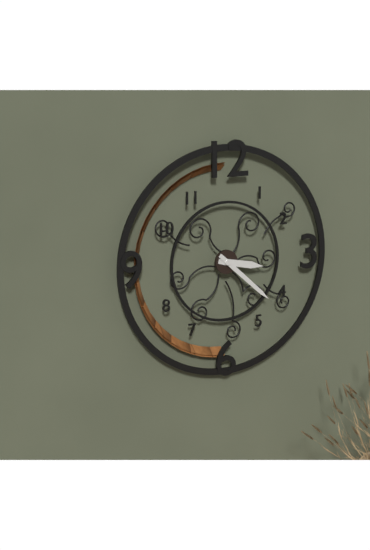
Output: 3h22
